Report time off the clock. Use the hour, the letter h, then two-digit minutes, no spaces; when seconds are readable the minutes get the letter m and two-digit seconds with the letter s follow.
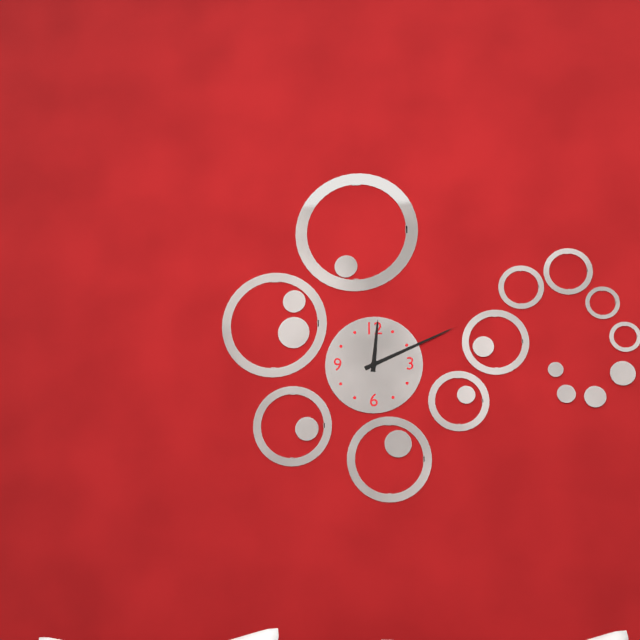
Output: 12h11
